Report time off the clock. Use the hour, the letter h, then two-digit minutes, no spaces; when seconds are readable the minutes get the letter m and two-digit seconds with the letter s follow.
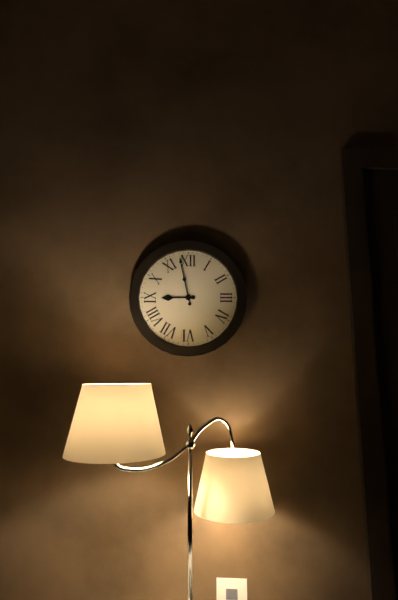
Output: 8h58
